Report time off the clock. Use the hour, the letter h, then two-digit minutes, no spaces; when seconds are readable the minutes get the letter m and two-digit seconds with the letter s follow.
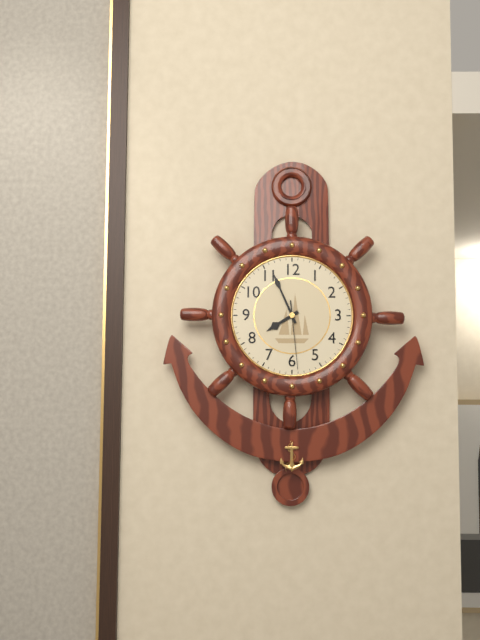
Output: 7h56m29s
